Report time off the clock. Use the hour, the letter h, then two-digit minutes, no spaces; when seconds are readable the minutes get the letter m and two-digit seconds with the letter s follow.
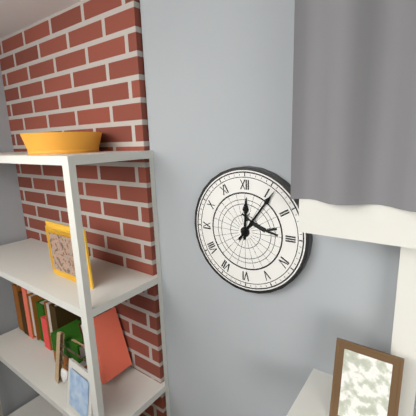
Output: 12h06
